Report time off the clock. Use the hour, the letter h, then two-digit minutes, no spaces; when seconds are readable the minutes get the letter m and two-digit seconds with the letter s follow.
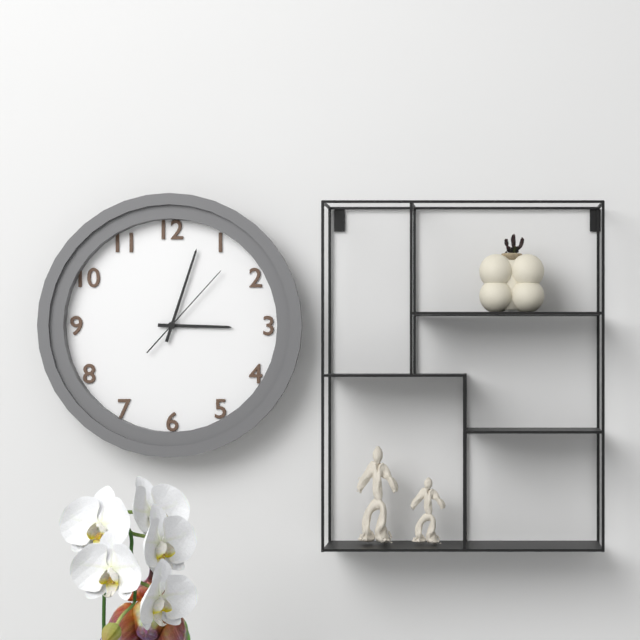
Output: 3h03m07s
